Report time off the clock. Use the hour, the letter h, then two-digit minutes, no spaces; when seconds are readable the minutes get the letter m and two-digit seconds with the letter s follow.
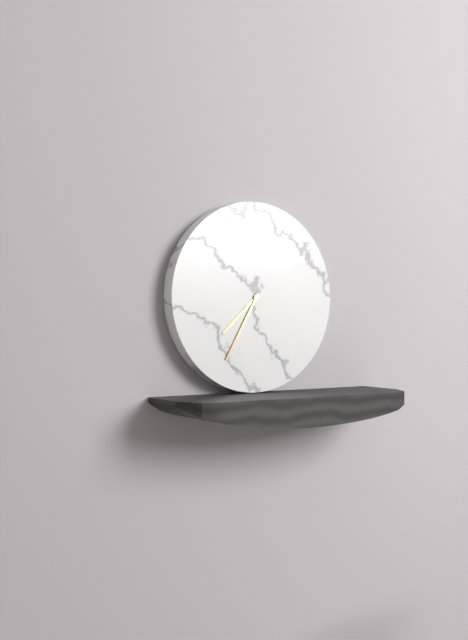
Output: 7h35
